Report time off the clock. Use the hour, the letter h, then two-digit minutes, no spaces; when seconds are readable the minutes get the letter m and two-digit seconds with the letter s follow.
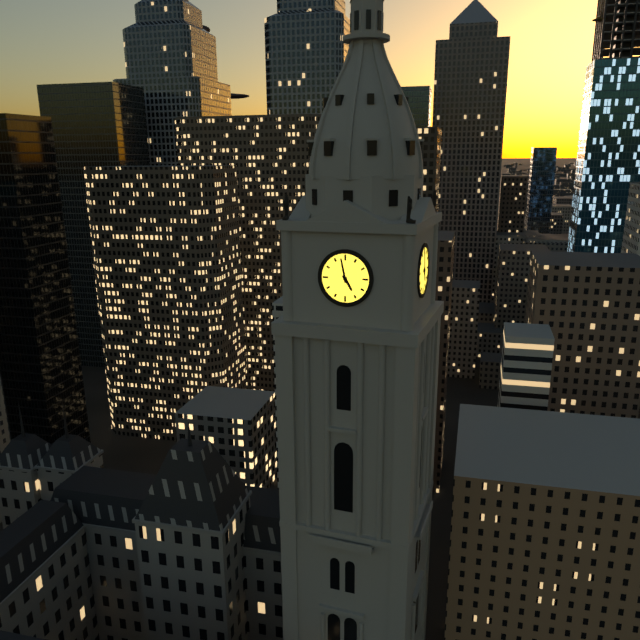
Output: 4h58
